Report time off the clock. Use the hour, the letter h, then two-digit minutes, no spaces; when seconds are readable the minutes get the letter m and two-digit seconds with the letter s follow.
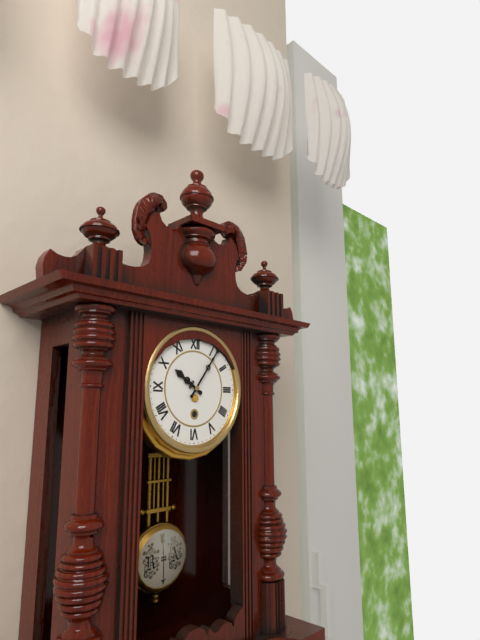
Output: 10h06
